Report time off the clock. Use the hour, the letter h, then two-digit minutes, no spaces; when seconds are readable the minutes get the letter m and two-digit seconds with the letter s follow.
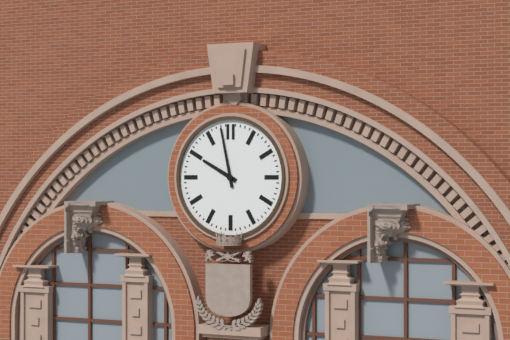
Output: 9h58
